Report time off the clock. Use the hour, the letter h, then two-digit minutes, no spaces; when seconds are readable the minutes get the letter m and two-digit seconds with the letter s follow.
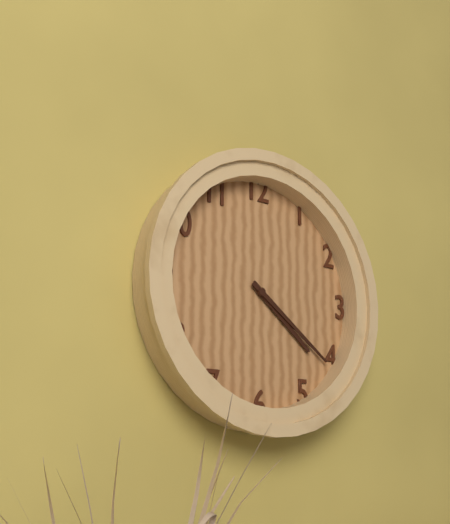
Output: 4h21
